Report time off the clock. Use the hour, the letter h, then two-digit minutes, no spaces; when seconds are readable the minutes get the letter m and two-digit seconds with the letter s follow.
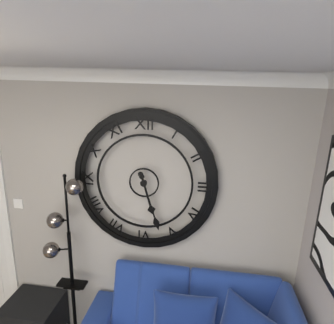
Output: 5h27
